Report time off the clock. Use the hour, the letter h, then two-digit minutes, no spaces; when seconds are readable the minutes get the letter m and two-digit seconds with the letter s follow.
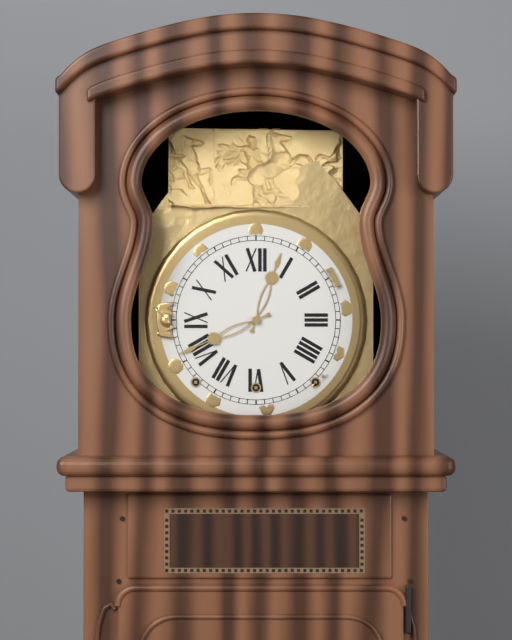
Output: 12h41
